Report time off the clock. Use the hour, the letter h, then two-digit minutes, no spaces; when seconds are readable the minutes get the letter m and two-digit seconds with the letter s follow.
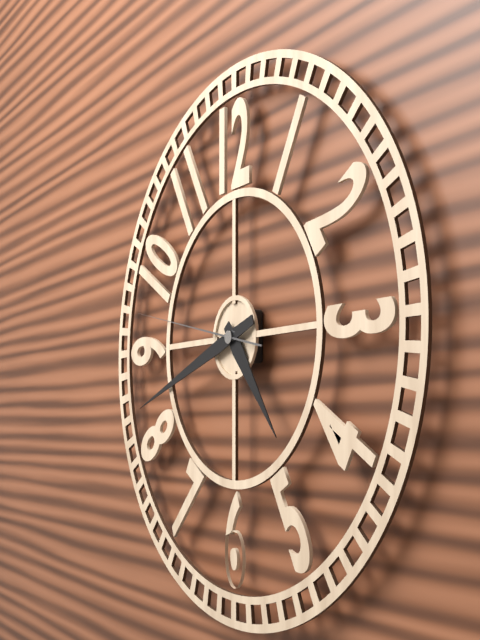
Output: 4h42m47s
